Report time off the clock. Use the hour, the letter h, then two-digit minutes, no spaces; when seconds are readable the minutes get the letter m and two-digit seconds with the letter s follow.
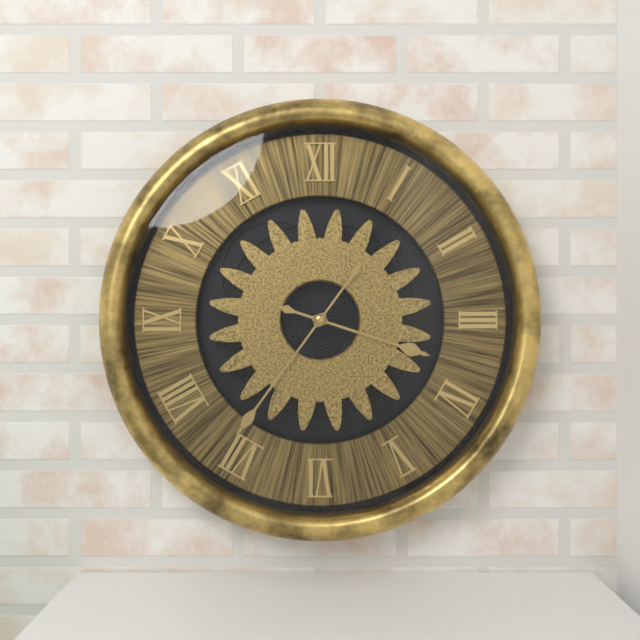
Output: 3h36
